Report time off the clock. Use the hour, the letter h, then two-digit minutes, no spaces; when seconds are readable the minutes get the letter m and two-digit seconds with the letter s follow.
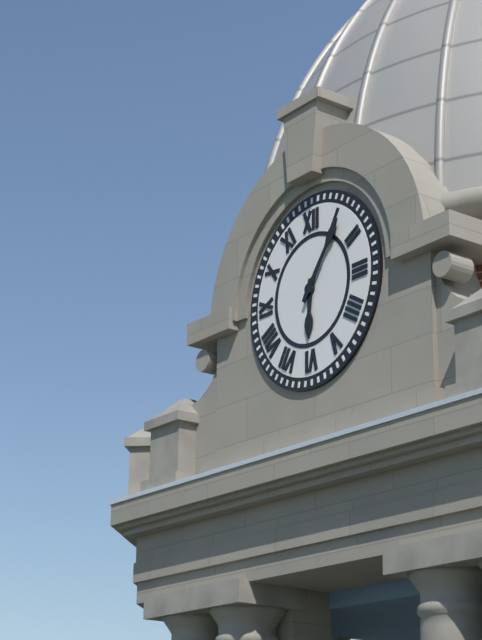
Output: 6h06
